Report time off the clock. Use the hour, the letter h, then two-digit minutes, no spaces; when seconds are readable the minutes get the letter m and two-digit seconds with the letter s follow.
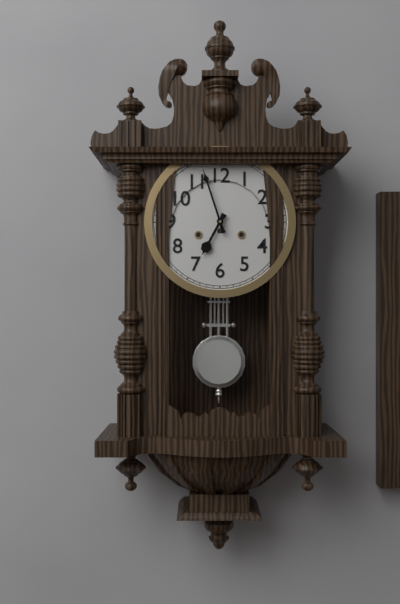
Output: 6h57
